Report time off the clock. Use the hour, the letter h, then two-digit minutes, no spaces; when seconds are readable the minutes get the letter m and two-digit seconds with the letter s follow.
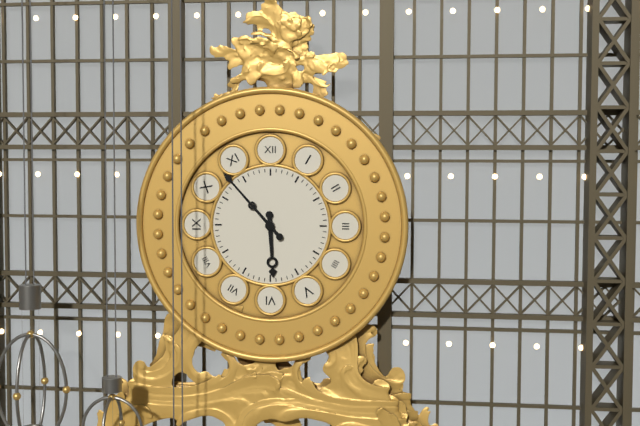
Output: 5h53
